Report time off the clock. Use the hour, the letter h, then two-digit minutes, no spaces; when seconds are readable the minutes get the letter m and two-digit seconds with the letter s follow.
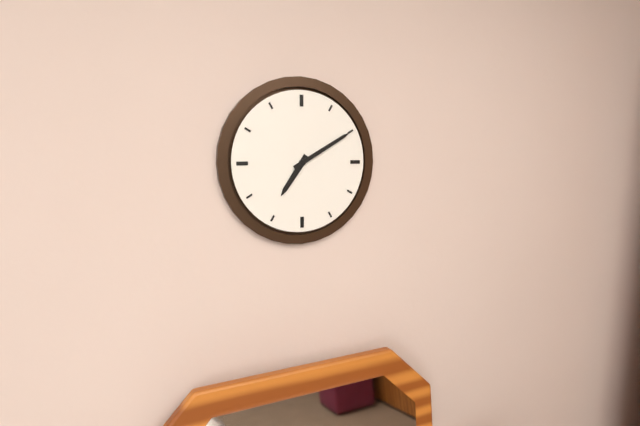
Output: 7h10
